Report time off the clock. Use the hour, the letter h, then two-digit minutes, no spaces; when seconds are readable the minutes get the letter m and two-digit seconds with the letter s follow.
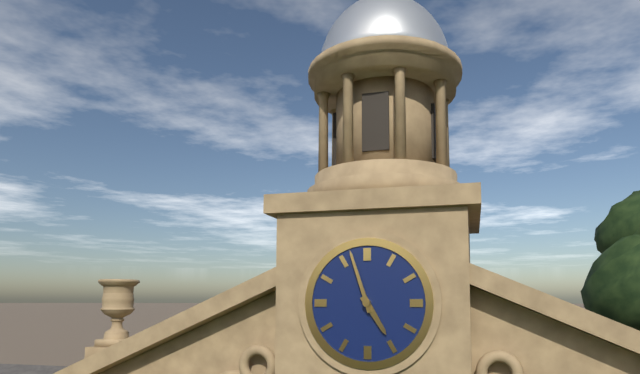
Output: 4h57
